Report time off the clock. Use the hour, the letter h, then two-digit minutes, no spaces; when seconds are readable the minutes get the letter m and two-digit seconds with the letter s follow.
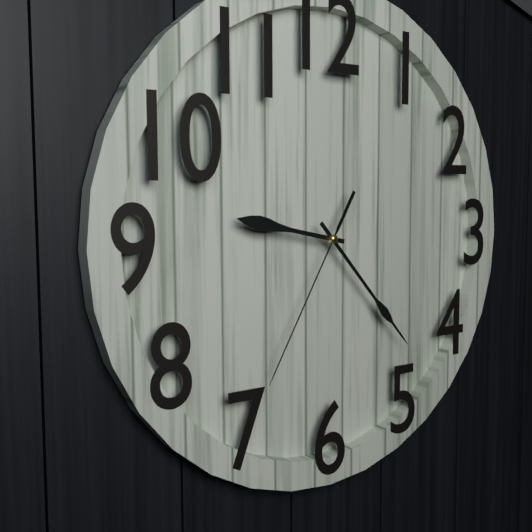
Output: 9h23m35s
